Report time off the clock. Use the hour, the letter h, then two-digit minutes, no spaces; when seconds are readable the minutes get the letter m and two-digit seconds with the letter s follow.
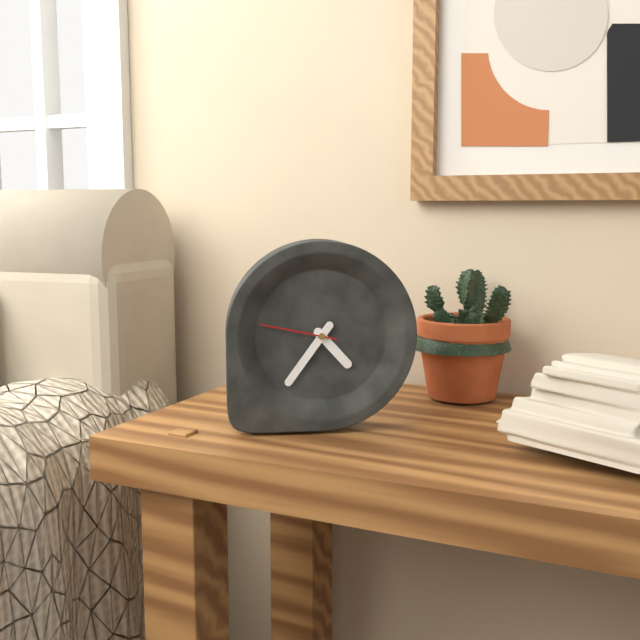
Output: 4h36m47s
